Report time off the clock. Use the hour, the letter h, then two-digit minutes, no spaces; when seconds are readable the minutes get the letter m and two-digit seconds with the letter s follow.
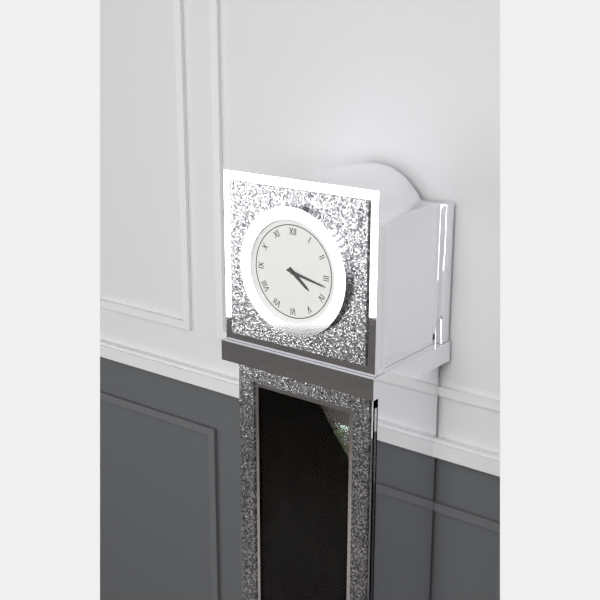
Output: 4h17
